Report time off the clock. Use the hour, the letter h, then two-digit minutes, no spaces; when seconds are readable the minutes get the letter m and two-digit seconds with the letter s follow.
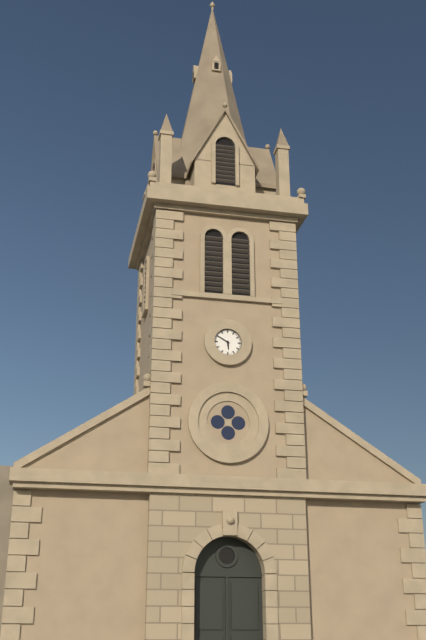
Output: 5h50
